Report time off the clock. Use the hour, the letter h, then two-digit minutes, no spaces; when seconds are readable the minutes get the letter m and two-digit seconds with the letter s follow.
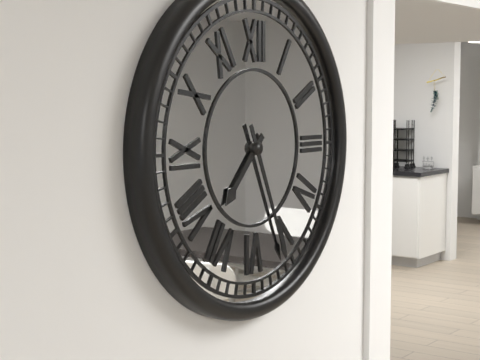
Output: 7h26
